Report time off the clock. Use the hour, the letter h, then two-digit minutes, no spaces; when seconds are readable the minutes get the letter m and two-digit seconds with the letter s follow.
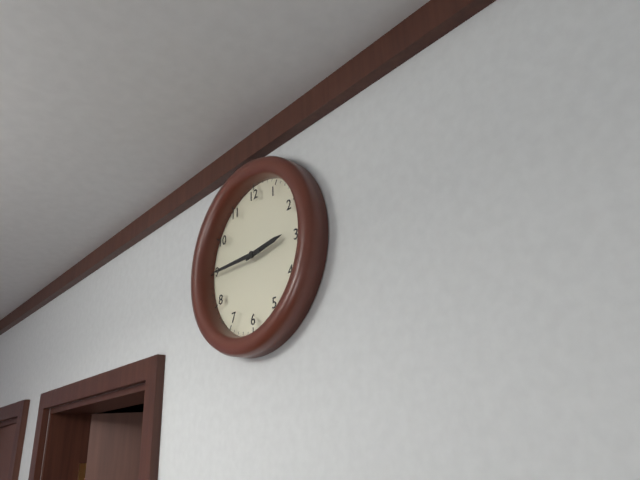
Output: 2h45
